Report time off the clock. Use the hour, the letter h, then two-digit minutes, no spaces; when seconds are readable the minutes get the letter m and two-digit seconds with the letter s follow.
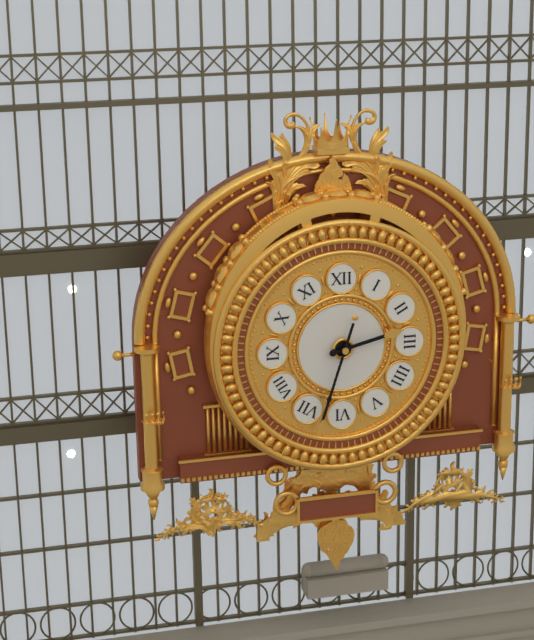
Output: 2h33
